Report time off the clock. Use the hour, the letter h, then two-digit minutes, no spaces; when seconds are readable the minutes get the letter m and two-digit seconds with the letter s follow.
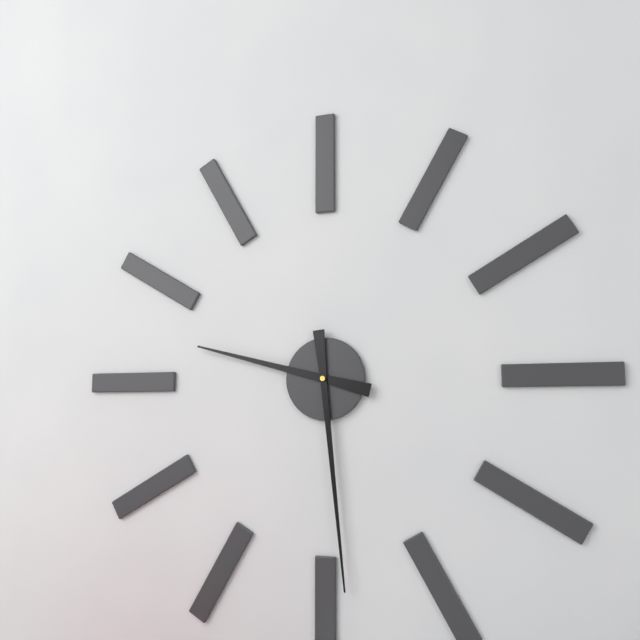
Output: 9h29
